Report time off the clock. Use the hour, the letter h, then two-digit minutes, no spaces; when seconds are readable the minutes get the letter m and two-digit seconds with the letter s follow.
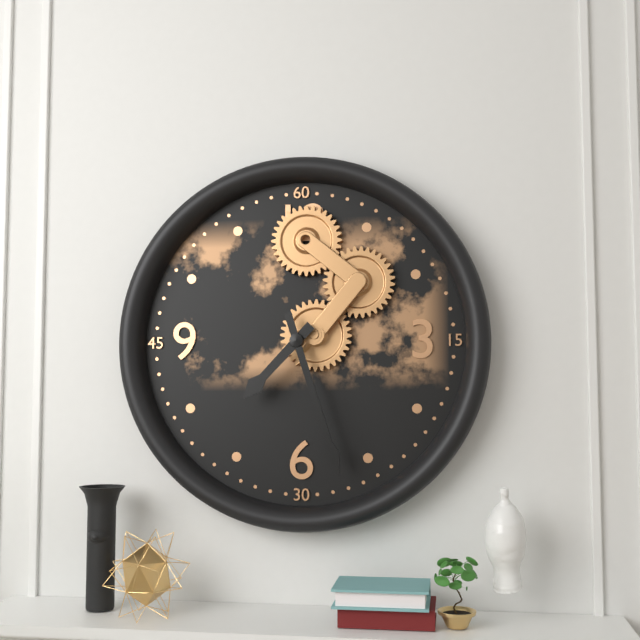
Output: 7h27
